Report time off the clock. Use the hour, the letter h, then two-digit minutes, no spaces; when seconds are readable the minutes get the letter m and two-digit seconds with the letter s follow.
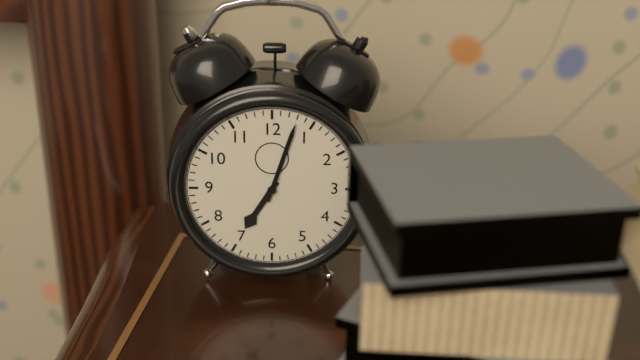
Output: 7h03
